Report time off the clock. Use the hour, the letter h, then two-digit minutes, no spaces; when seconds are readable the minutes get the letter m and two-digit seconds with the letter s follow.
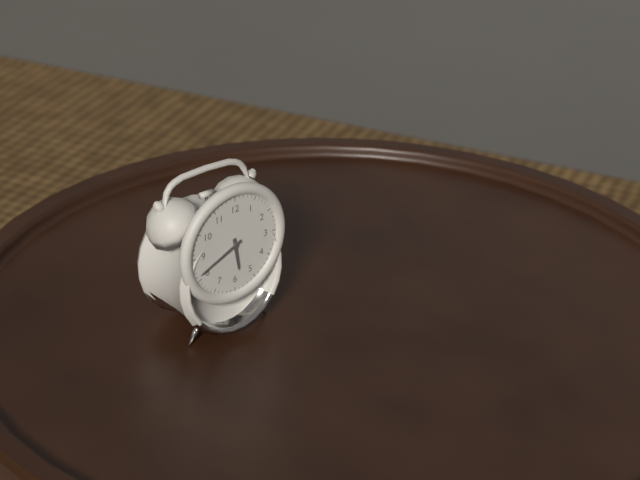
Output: 5h41
